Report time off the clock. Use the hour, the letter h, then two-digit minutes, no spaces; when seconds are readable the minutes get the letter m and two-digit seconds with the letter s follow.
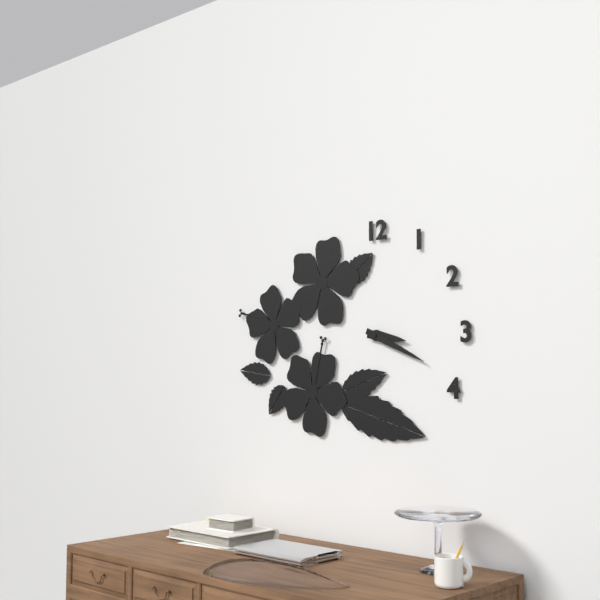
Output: 3h19
